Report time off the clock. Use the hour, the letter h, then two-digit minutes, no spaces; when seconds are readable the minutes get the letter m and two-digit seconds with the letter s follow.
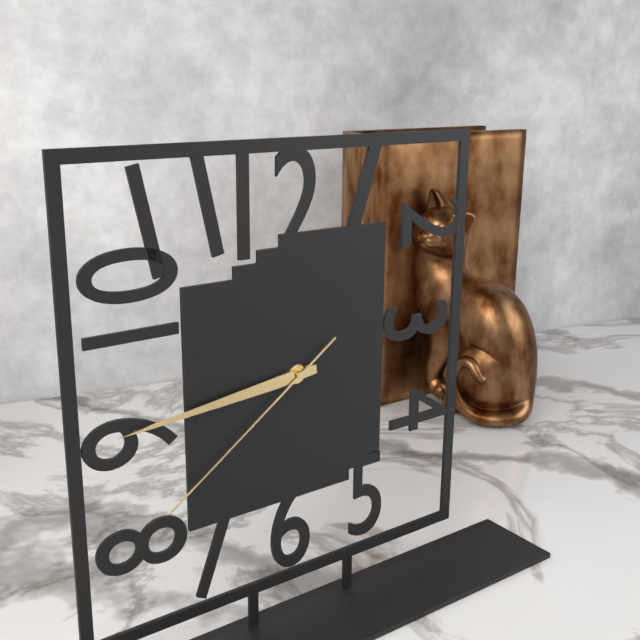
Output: 8h44m39s
